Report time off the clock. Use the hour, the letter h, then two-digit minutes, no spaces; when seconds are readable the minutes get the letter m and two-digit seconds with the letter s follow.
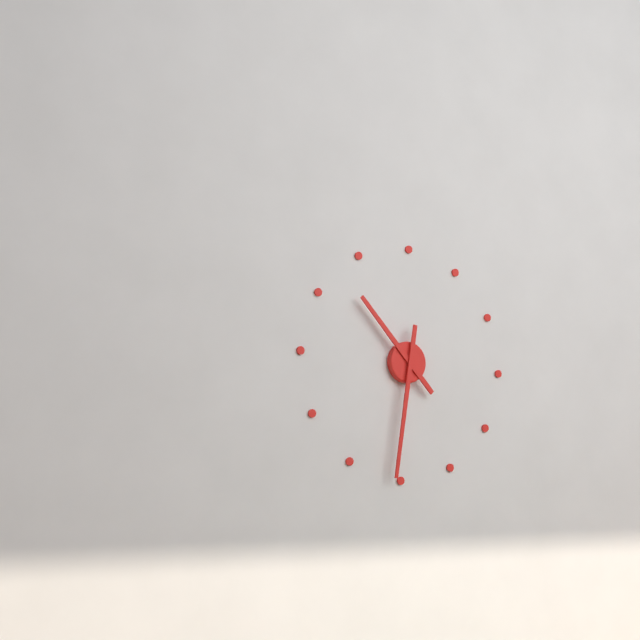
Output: 10h31
